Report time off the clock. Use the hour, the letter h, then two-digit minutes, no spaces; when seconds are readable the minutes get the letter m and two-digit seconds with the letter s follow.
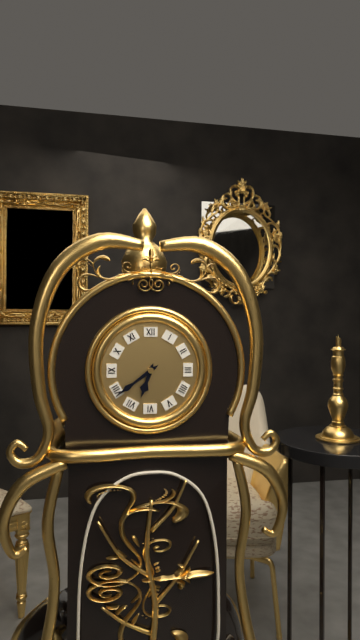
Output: 6h39
